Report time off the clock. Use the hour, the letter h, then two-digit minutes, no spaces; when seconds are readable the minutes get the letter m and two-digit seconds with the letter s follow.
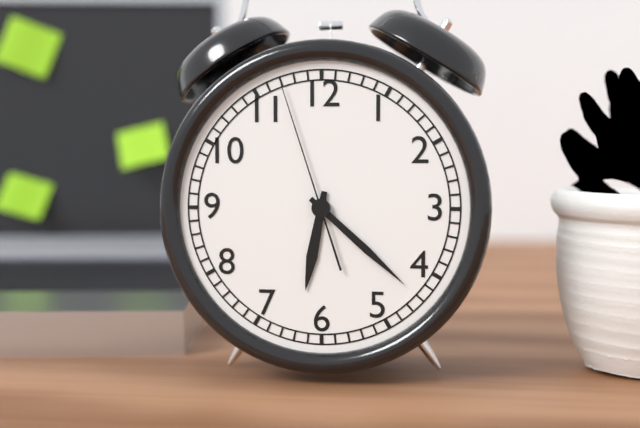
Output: 6h22m57s
